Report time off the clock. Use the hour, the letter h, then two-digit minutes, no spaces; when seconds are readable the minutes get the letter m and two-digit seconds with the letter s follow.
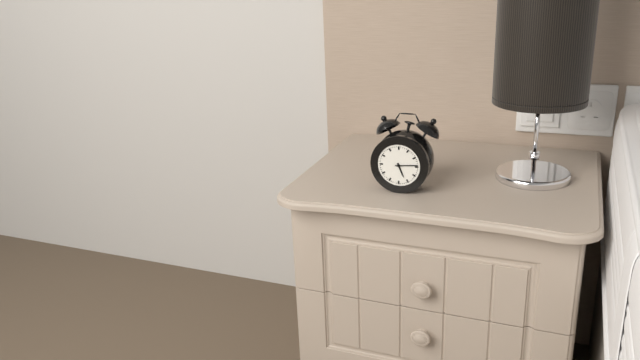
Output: 5h14
